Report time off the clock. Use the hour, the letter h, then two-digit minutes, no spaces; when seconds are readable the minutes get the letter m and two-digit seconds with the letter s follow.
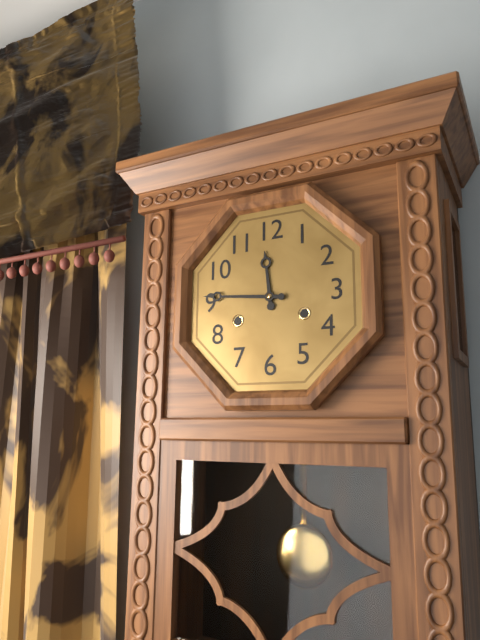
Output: 11h46
